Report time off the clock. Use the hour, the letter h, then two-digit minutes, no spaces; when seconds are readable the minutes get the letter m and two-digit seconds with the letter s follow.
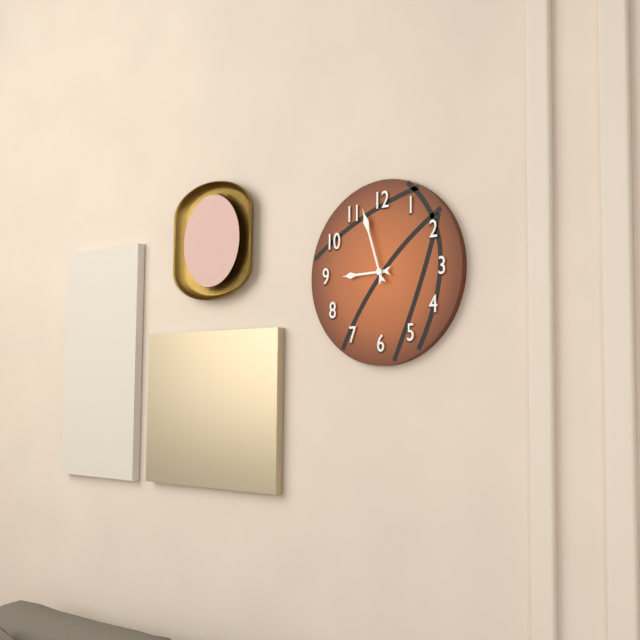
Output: 8h57
